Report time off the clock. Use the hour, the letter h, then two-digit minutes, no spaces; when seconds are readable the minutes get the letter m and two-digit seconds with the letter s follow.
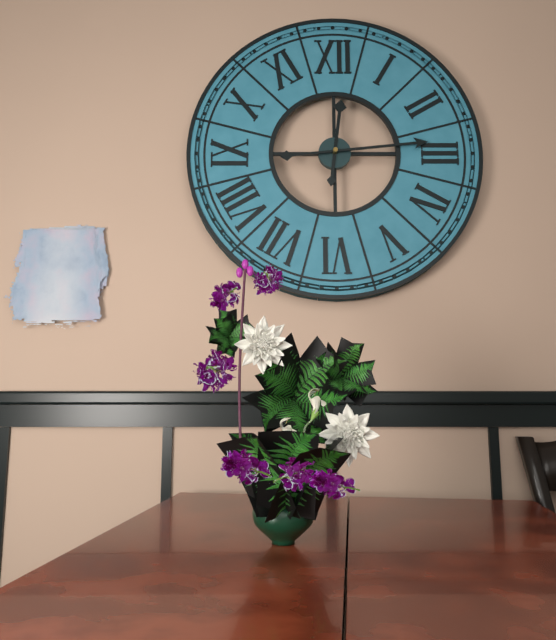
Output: 12h14
